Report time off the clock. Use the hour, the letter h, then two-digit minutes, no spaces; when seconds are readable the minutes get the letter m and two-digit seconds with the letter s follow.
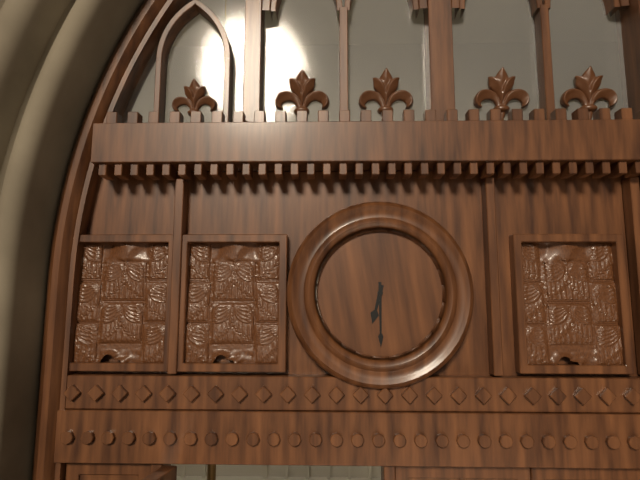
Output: 6h30
